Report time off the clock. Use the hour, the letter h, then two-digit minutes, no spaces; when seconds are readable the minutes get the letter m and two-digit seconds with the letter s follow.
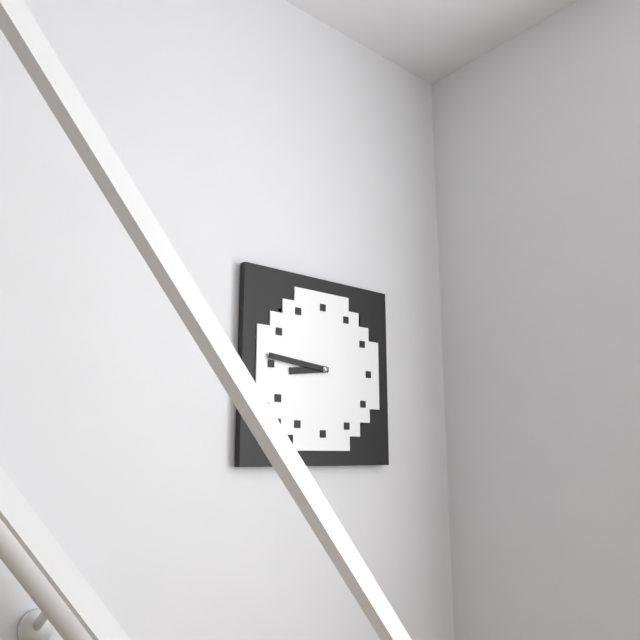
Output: 8h46
